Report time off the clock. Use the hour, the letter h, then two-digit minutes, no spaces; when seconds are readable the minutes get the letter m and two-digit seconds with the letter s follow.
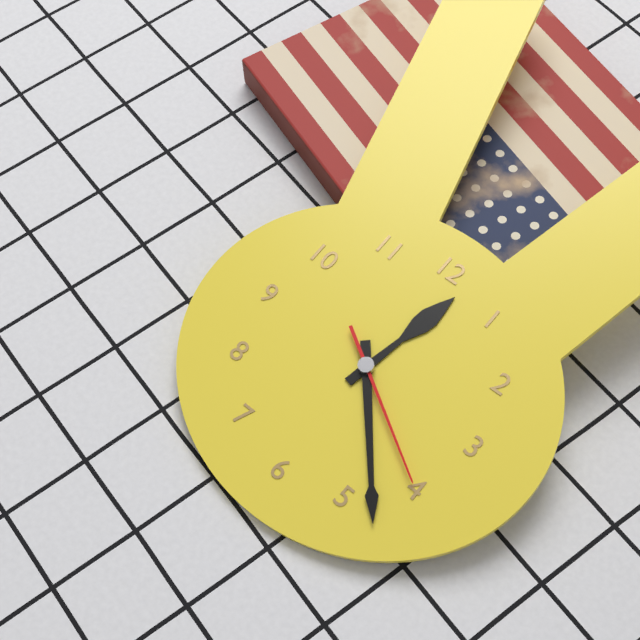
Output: 12h23m20s
